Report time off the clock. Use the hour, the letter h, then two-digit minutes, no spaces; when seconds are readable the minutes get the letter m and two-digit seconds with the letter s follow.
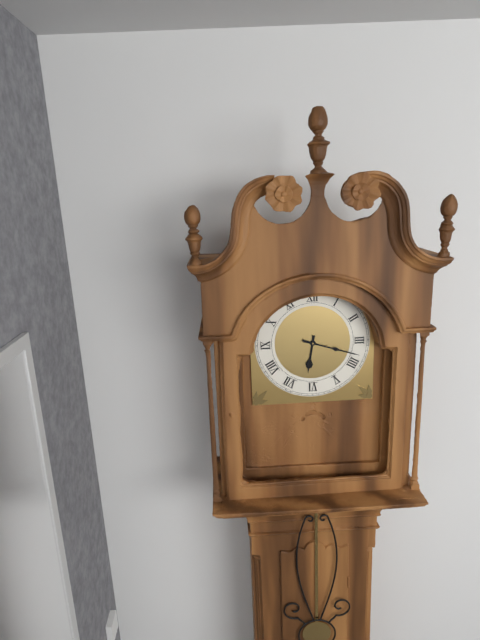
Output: 6h18
